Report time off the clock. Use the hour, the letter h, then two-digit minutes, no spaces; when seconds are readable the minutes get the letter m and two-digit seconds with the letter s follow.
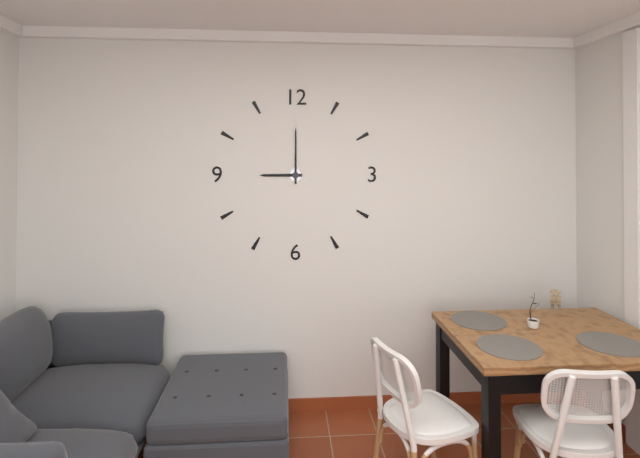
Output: 9h00
